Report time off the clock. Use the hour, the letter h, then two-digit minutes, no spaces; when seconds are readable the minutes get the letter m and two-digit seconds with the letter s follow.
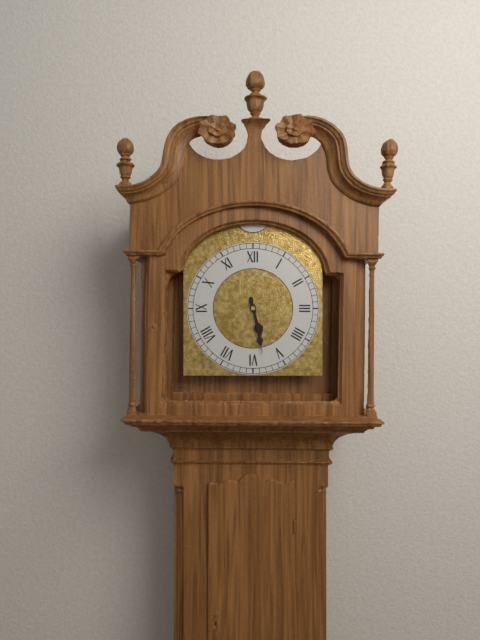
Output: 5h28
